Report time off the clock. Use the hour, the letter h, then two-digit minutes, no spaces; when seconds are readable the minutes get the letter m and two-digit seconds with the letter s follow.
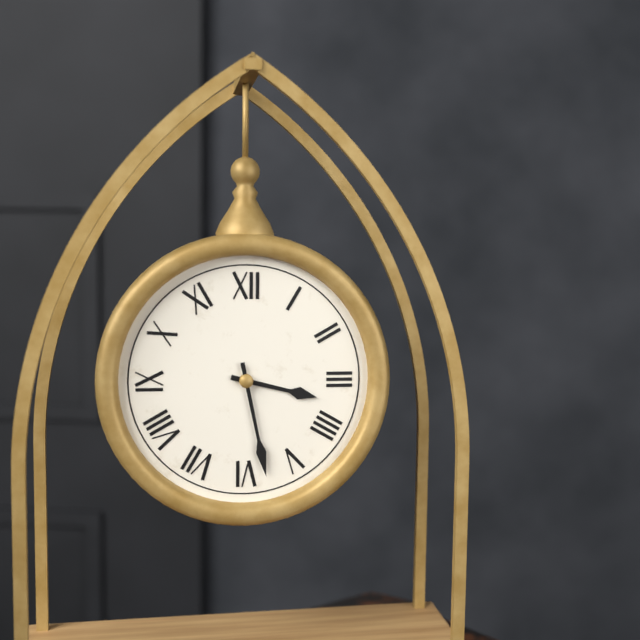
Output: 3h28
